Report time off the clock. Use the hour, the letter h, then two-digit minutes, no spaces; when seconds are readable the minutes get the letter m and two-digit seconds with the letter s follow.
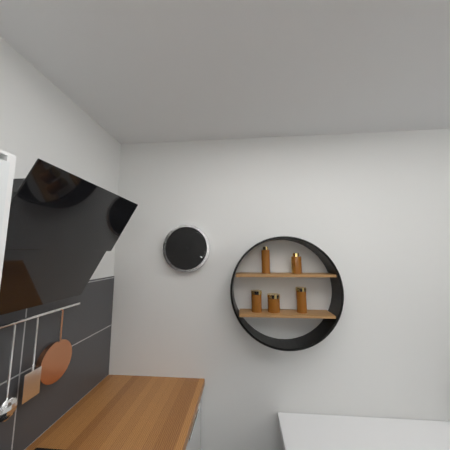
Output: 10h04
